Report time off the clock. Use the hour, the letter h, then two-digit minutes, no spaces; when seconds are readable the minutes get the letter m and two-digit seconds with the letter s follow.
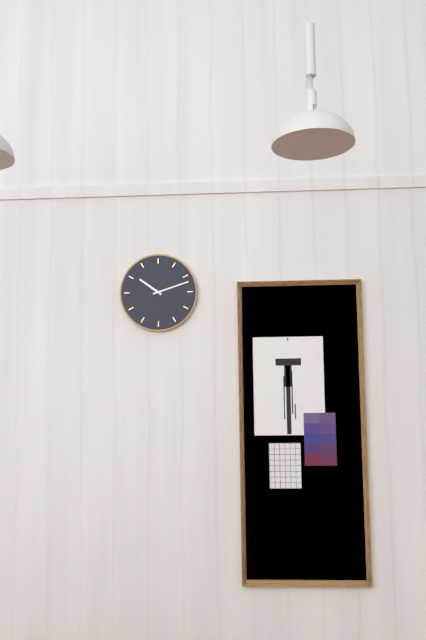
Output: 10h12
